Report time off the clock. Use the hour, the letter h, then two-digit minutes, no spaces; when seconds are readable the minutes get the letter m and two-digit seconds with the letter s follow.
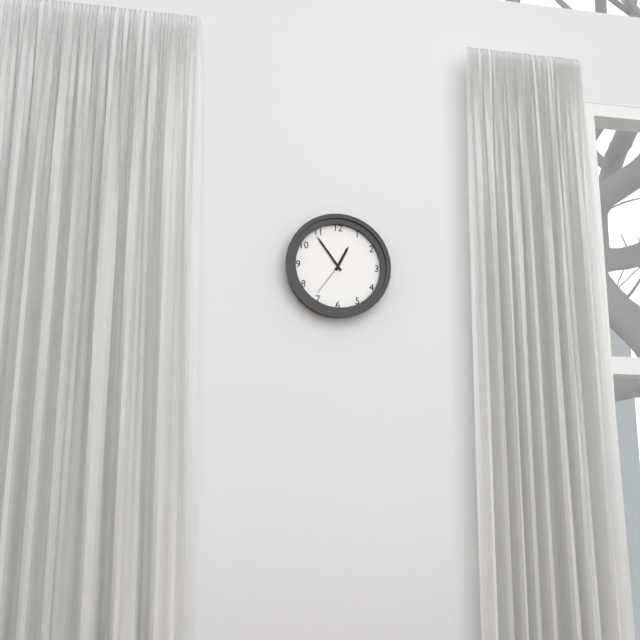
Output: 12h54
